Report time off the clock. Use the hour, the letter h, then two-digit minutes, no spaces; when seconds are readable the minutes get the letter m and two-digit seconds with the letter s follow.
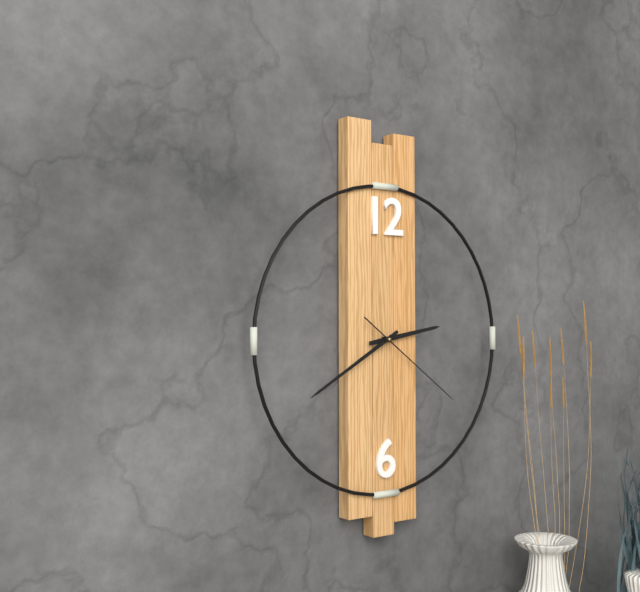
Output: 2h40m21s
